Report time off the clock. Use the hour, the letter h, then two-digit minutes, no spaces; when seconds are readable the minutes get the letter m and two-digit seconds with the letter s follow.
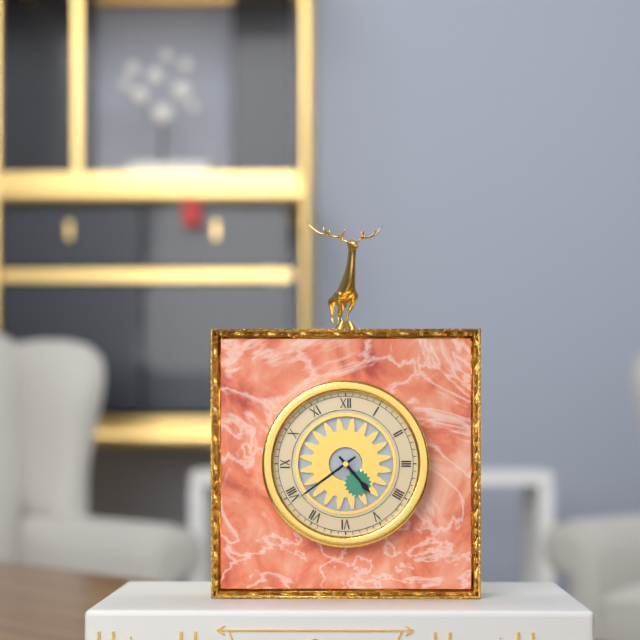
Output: 4h39
